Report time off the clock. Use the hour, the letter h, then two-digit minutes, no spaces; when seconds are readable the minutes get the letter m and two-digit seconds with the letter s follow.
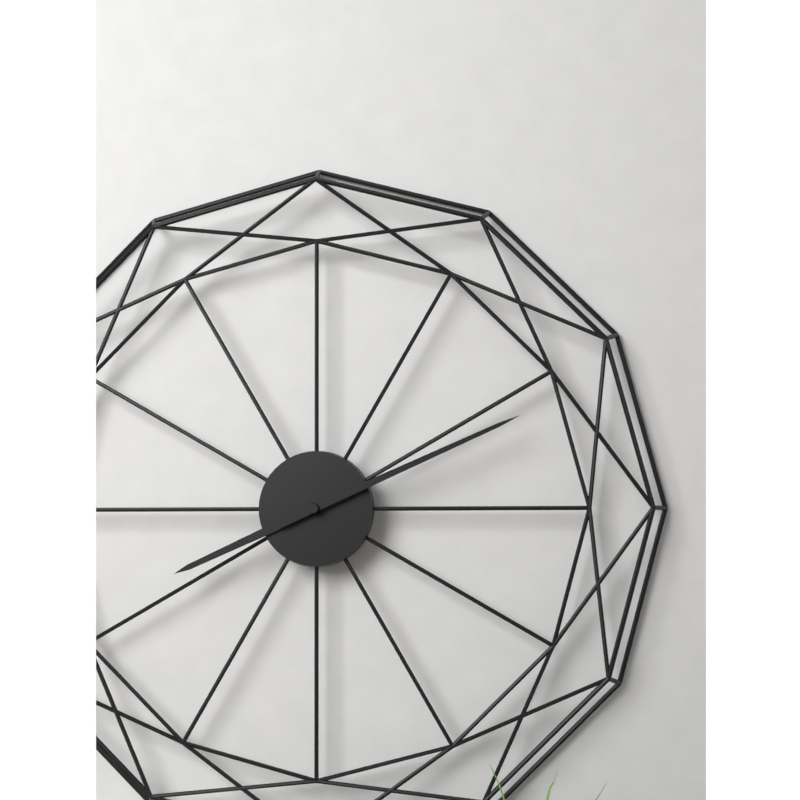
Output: 8h11
